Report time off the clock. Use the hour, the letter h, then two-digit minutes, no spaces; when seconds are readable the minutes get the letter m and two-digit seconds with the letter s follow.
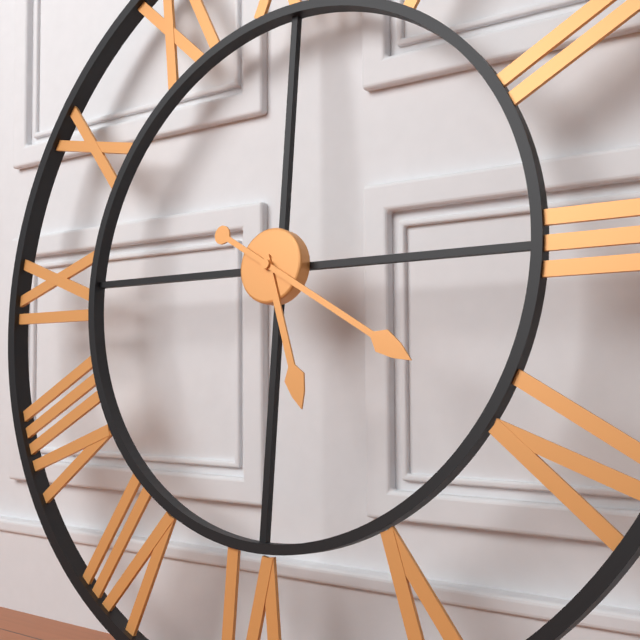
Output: 5h20
